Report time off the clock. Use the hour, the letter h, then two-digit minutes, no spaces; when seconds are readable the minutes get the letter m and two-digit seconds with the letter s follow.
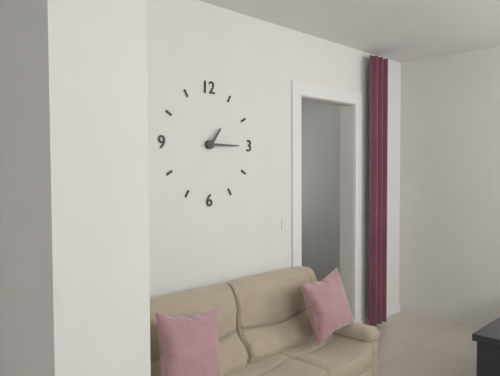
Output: 1h15
